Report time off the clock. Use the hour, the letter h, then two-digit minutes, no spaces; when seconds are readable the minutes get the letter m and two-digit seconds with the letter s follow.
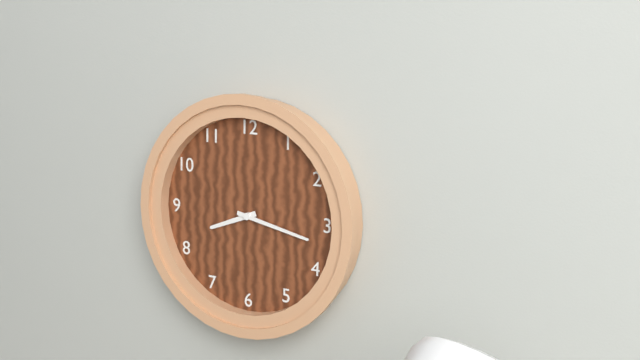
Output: 8h17
